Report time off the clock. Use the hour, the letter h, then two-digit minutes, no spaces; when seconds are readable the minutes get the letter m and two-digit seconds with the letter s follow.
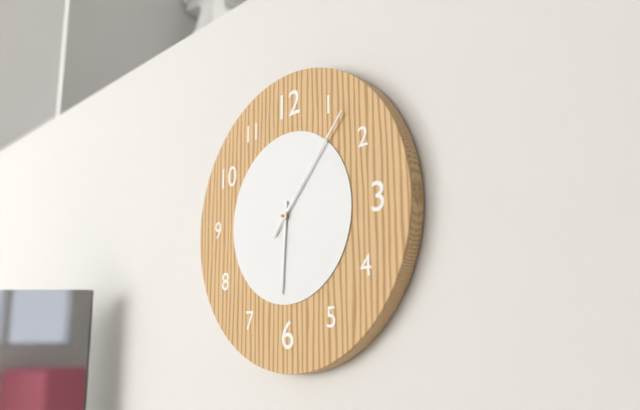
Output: 6h07
